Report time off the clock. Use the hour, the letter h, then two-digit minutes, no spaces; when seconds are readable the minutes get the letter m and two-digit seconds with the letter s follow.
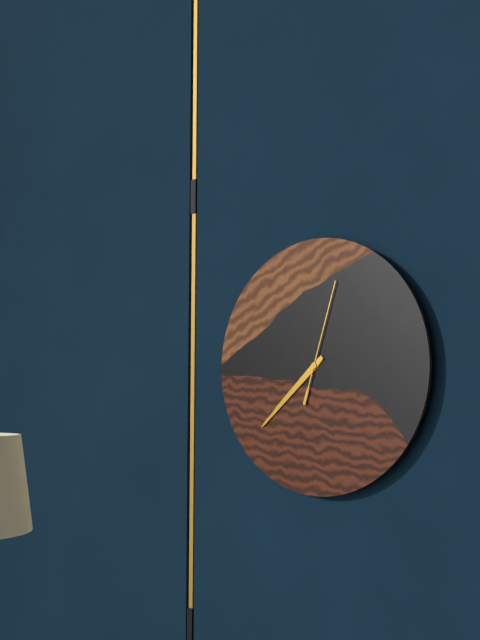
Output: 7h38m03s
